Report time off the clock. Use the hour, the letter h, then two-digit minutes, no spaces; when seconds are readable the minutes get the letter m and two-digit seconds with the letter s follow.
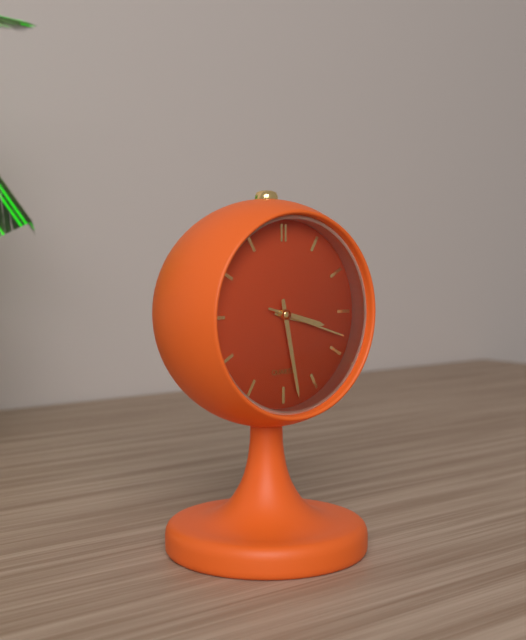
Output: 3h28m18s
